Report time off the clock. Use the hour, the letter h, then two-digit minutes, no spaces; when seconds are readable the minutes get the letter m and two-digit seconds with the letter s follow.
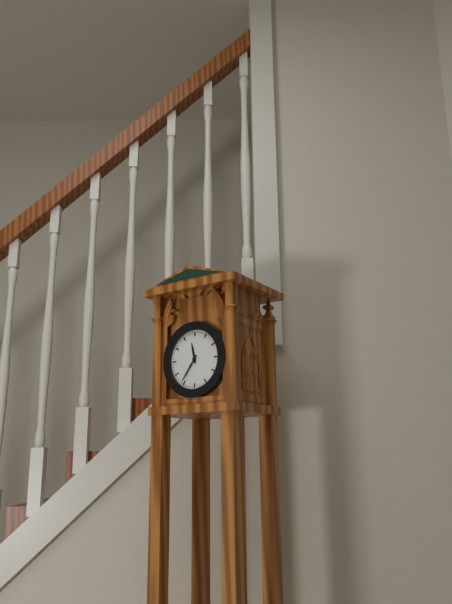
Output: 11h36
